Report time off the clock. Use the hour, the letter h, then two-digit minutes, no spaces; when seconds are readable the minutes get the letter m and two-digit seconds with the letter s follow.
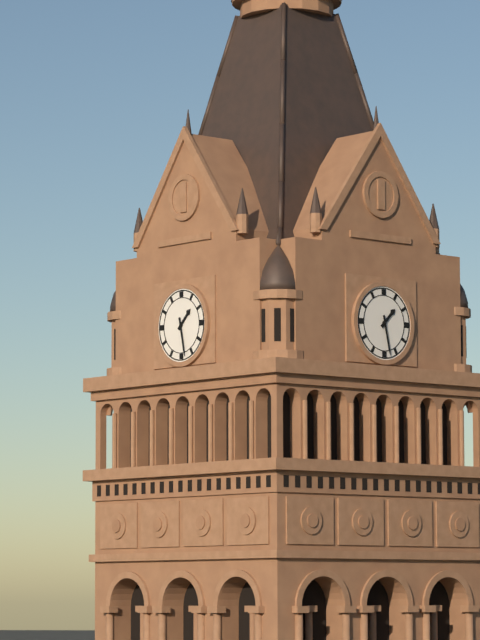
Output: 1h28
